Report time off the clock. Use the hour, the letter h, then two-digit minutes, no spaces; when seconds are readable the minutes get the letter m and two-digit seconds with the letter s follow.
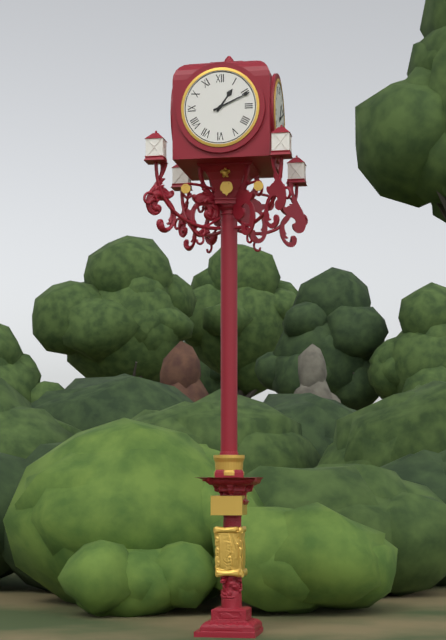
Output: 1h11
